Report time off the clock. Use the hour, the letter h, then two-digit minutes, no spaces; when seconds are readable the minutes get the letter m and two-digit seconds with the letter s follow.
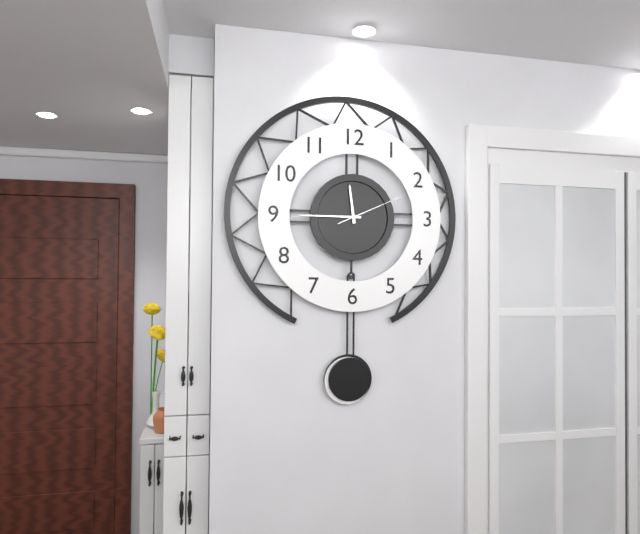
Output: 11h45m11s
